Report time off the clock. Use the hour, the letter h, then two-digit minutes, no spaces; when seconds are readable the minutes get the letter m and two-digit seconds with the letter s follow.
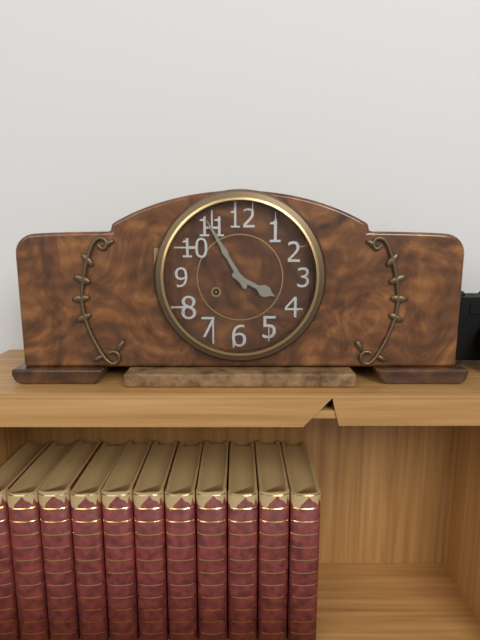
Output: 3h55
